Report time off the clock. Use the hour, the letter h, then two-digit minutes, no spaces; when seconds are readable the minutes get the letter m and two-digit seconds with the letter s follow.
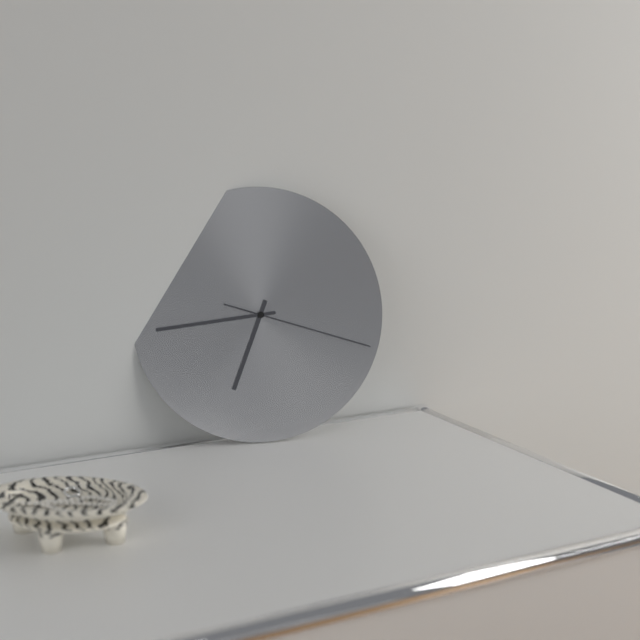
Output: 6h44m18s
